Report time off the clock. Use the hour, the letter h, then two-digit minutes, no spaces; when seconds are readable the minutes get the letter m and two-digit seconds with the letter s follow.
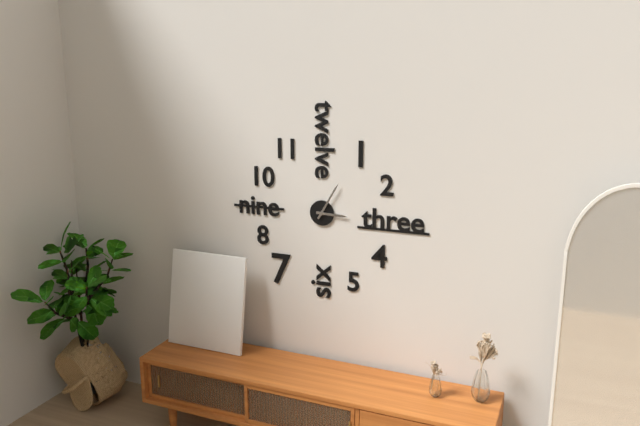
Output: 3h05
